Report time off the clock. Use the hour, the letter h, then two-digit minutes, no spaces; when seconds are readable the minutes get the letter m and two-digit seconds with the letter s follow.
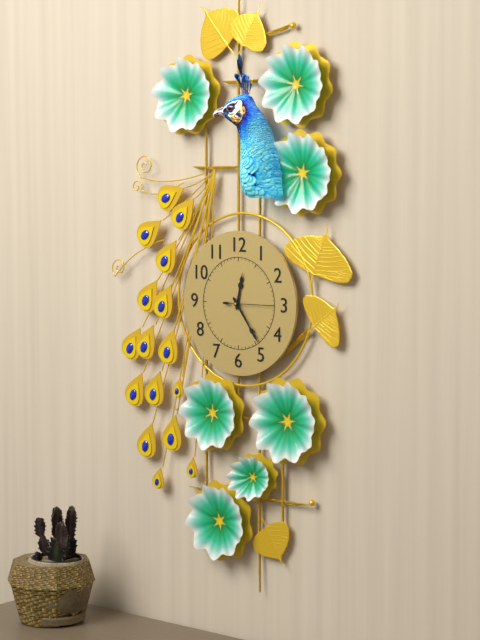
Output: 12h24
